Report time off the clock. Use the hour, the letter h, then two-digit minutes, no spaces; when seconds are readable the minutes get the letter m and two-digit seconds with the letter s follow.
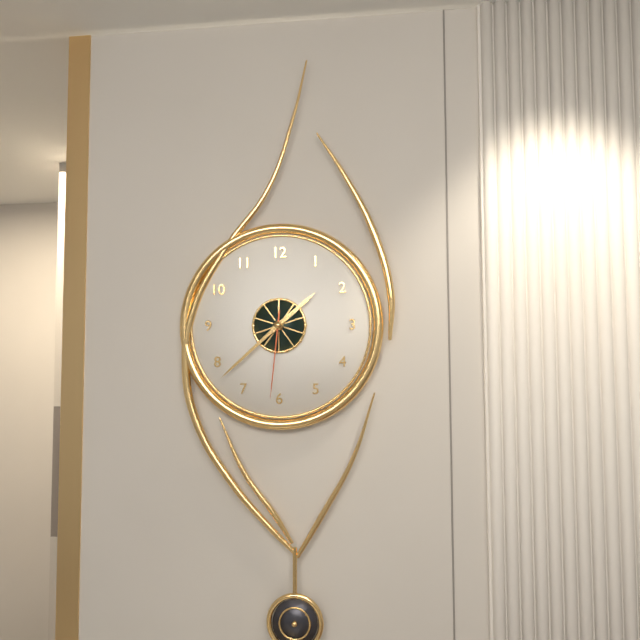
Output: 1h38m31s
